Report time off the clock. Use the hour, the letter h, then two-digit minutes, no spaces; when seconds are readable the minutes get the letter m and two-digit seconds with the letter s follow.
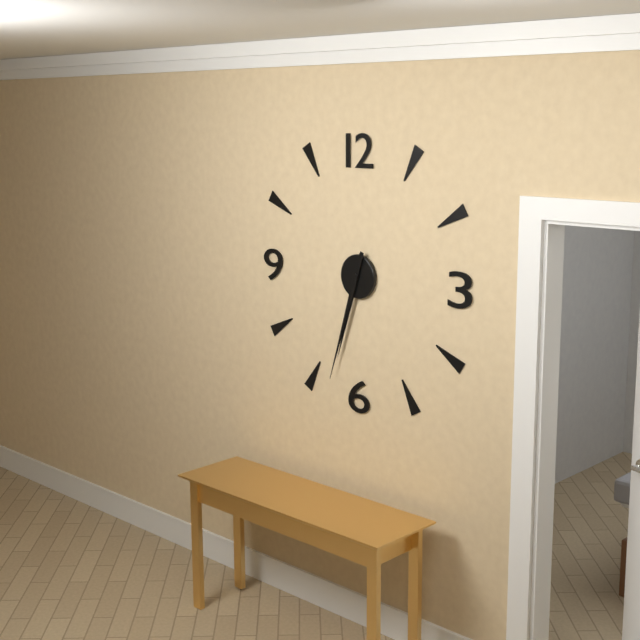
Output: 6h33
